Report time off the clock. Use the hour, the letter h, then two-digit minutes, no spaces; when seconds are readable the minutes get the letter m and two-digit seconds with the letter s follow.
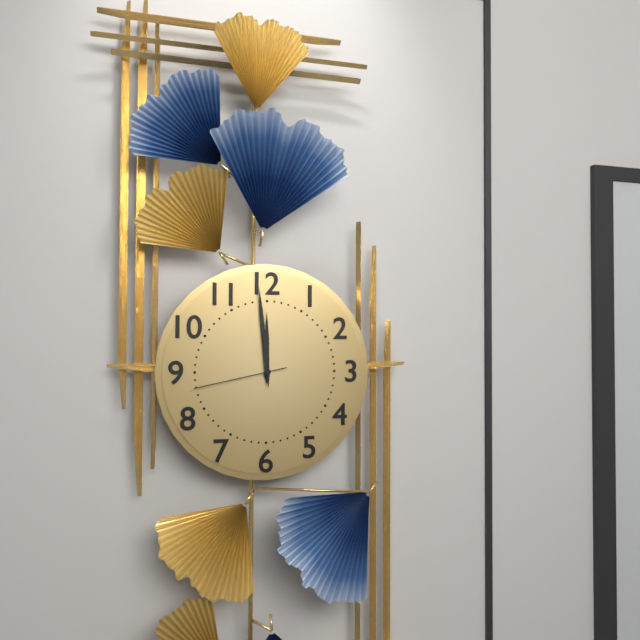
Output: 11h59m43s
